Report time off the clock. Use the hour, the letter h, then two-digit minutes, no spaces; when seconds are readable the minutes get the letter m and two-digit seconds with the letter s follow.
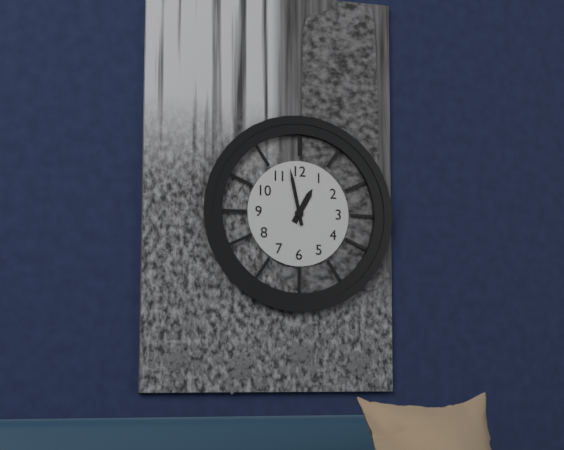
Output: 12h58
